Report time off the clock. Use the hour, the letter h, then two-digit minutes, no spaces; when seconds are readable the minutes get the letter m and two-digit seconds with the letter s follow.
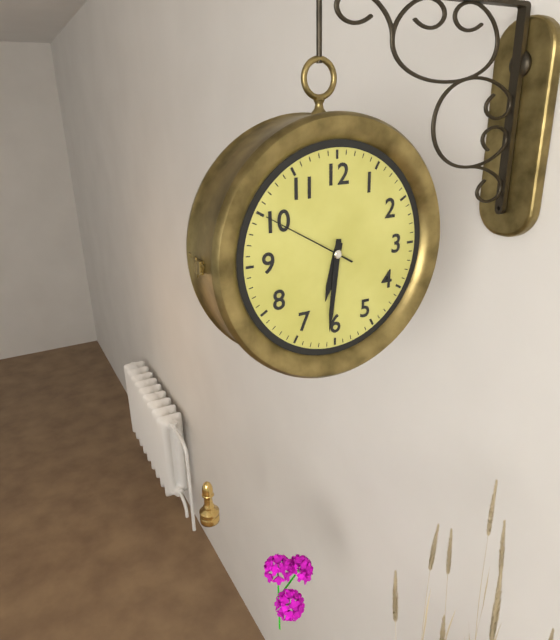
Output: 6h31m50s
